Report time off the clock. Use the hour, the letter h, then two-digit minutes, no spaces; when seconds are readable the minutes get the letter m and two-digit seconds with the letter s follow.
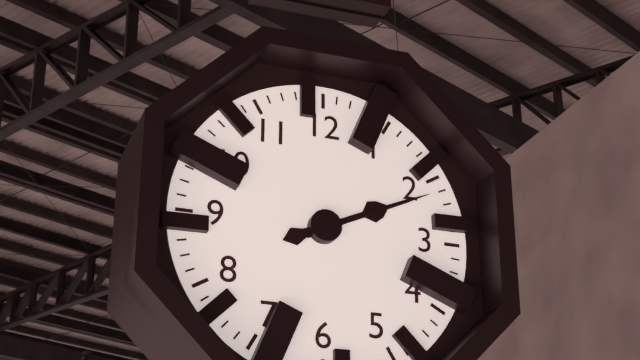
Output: 2h11
